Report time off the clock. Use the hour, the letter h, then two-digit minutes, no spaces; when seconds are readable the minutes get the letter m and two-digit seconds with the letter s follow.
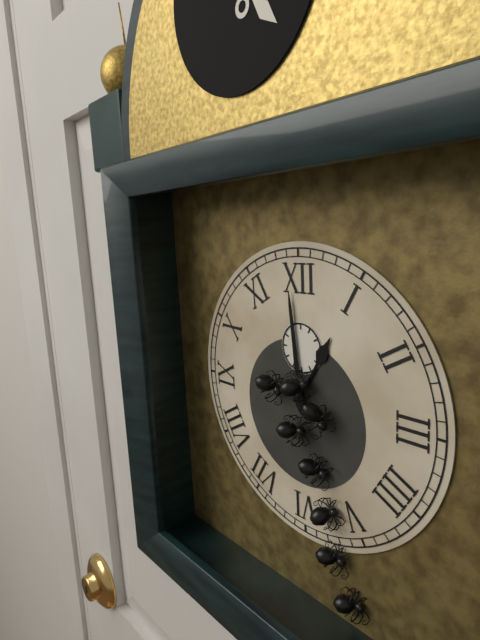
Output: 12h59
